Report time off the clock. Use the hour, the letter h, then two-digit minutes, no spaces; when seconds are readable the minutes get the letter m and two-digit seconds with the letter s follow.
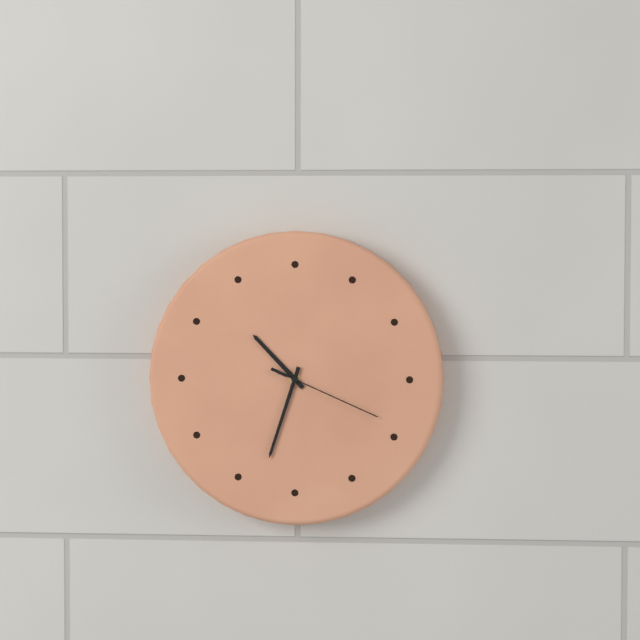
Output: 10h33m19s
